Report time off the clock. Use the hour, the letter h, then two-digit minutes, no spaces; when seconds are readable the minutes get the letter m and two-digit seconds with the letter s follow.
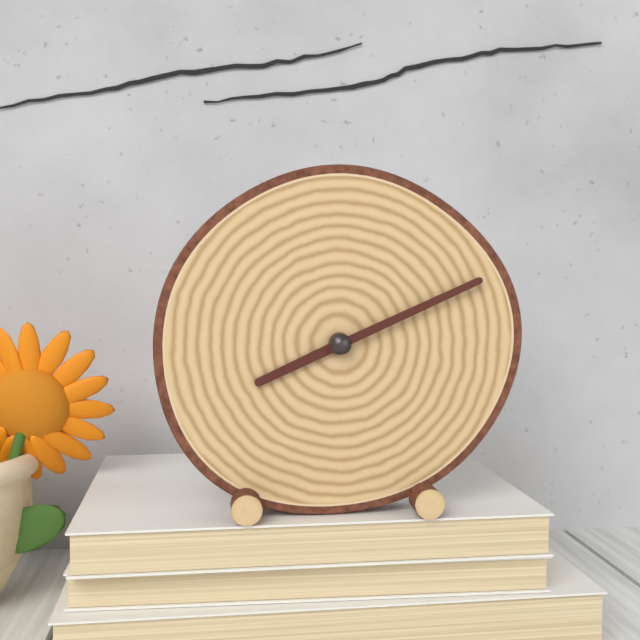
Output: 8h11
